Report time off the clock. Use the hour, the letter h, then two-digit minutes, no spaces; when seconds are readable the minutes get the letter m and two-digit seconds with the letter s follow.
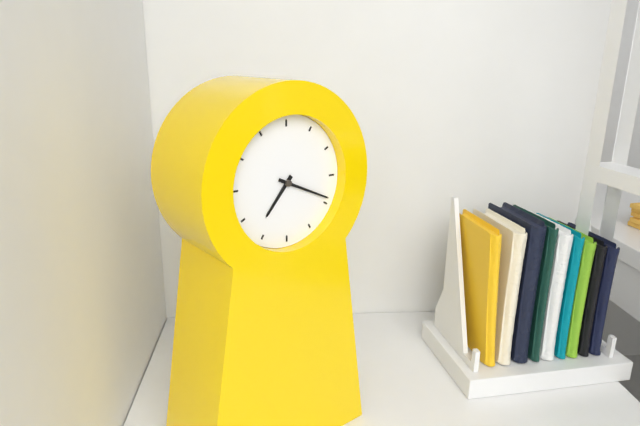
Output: 7h19
